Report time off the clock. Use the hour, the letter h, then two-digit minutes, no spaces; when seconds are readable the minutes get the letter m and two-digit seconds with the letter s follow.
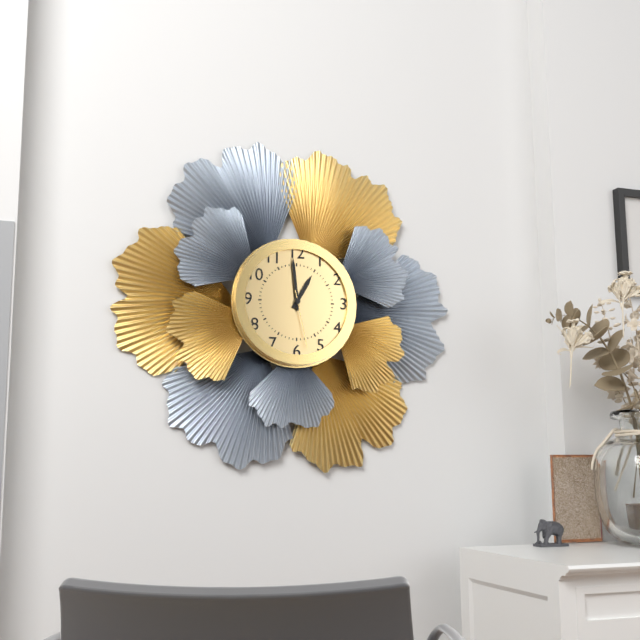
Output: 12h59m28s
